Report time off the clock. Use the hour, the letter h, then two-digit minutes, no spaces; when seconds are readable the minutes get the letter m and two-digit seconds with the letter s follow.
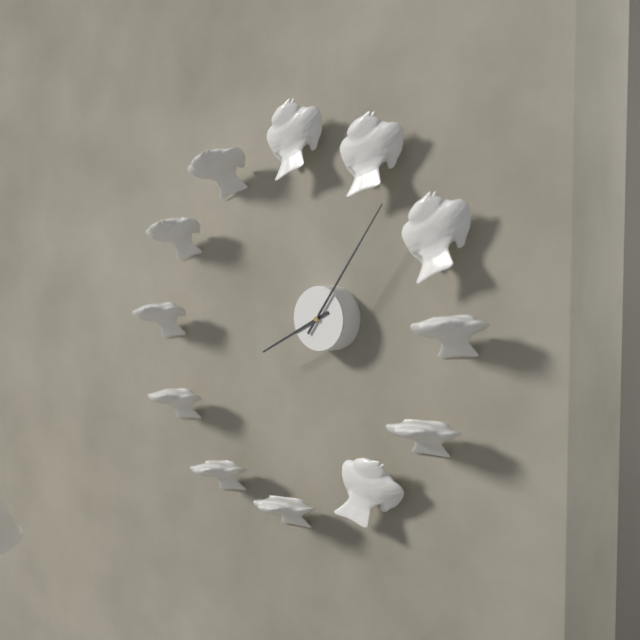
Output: 8h06
